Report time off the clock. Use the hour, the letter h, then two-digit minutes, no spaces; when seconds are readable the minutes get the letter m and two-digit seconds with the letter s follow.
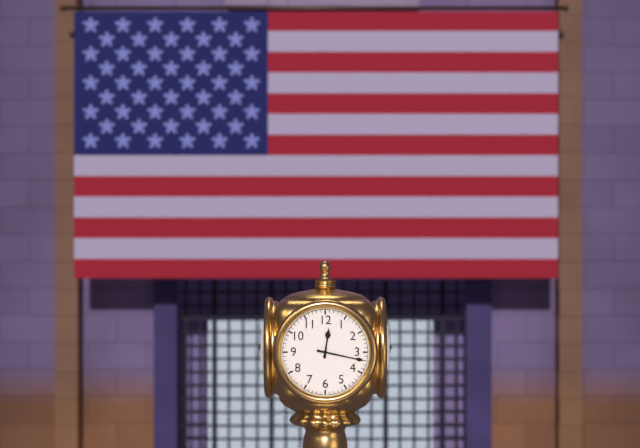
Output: 12h17
